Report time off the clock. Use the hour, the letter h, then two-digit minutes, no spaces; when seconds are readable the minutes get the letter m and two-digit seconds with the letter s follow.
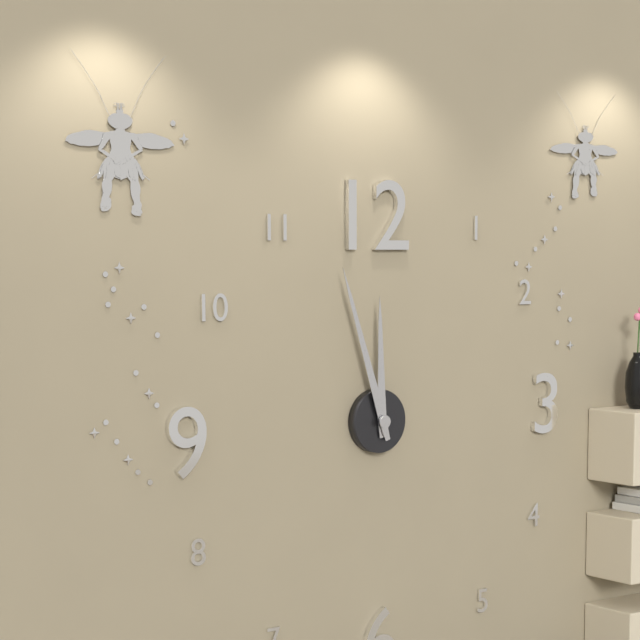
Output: 11h57
